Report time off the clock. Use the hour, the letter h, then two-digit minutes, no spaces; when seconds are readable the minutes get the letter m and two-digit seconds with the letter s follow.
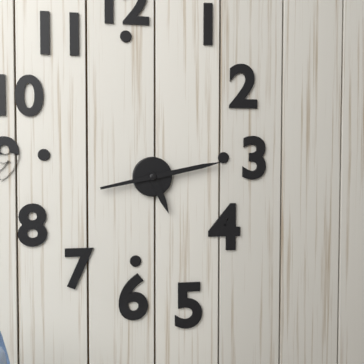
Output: 5h13
